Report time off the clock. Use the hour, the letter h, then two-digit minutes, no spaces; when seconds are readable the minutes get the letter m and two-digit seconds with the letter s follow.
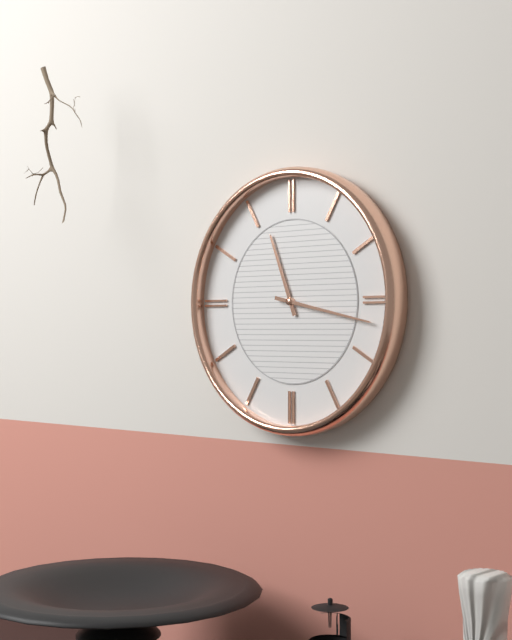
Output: 11h17
